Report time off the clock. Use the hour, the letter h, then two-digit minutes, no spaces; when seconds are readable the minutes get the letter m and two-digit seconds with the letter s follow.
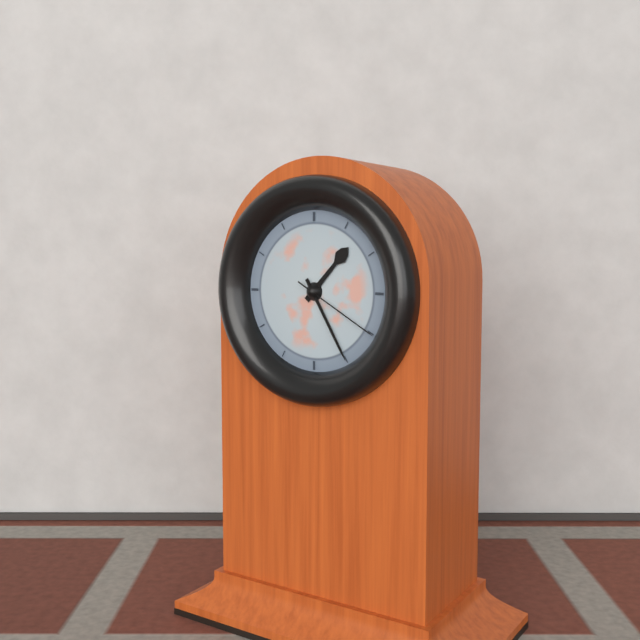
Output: 1h25m20s
